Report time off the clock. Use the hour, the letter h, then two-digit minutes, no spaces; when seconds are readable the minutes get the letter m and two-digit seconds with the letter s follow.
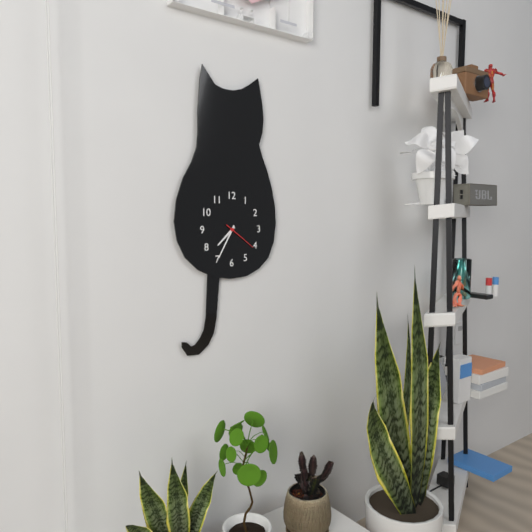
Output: 7h35
